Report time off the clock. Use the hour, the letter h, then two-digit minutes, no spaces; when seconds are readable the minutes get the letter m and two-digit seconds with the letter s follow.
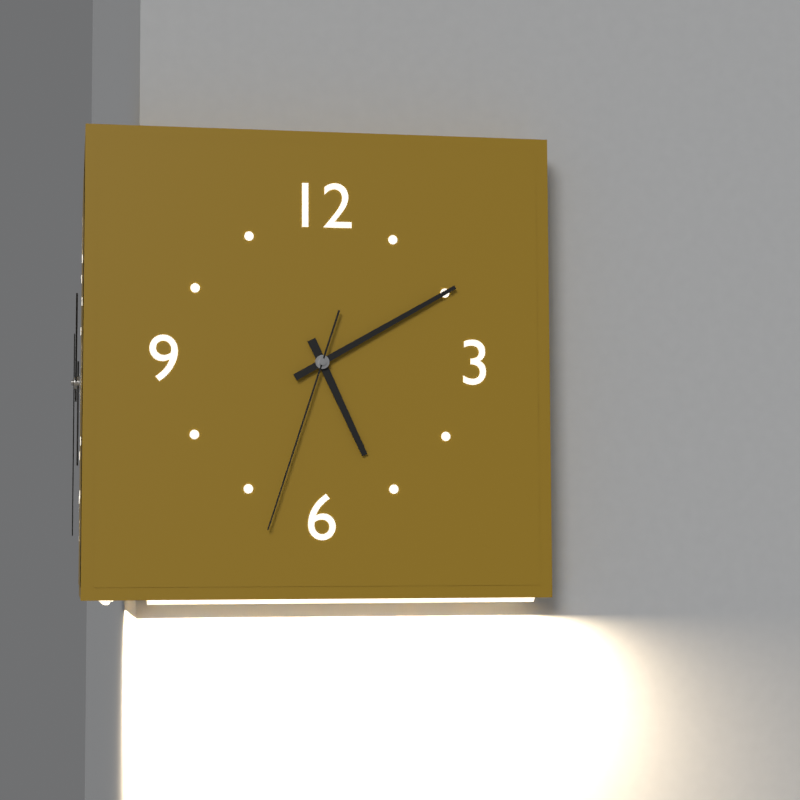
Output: 5h10m33s
